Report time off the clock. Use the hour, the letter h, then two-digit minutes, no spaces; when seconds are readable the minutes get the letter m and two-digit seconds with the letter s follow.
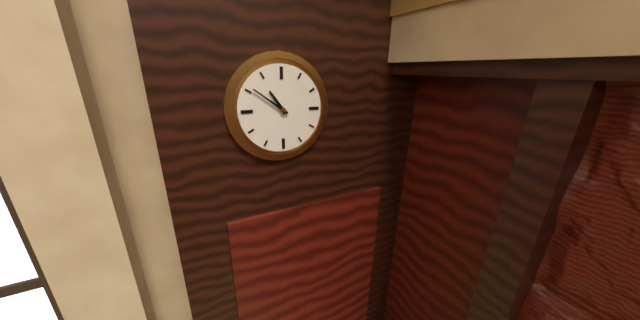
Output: 10h51
